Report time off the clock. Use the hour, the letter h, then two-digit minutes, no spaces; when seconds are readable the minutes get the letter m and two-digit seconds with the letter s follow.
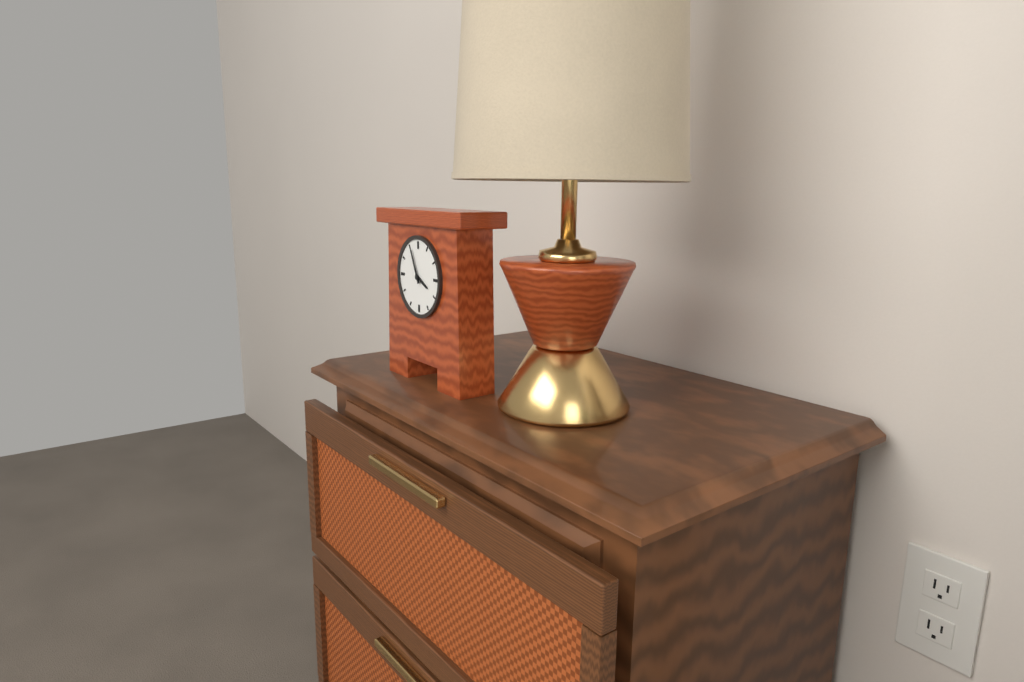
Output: 3h56
